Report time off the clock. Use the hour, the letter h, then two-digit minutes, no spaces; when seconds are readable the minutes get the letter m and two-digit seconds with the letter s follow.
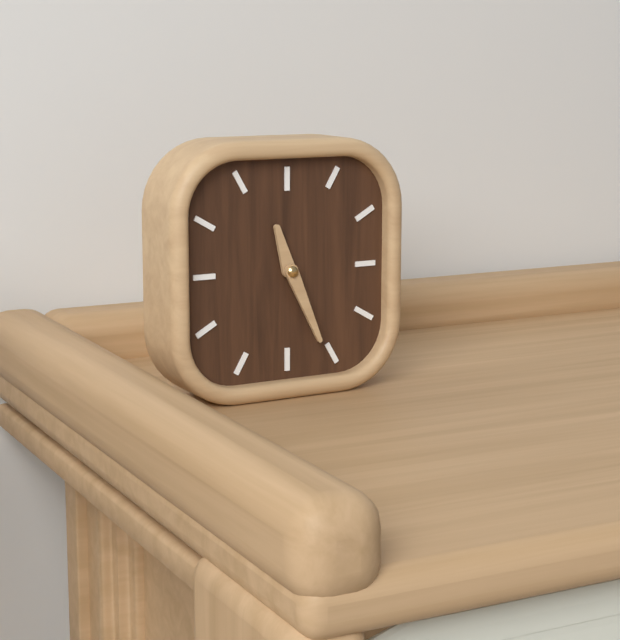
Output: 11h26
